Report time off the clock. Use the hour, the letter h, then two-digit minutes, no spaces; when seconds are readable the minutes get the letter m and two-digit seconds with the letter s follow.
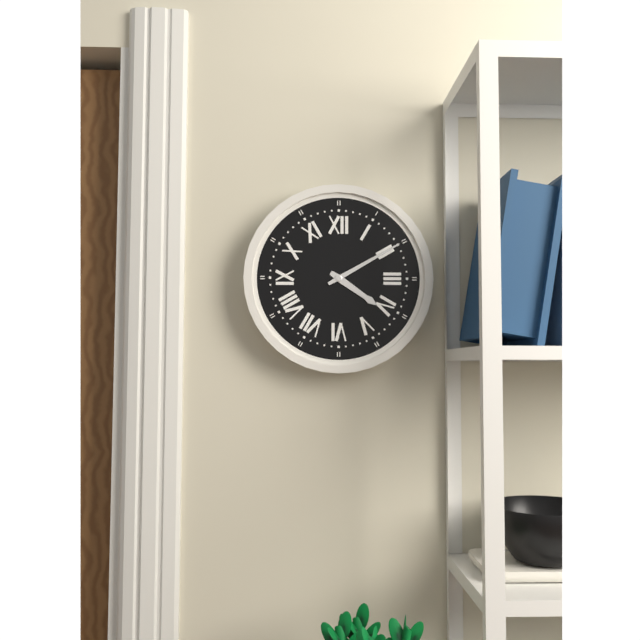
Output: 4h10
